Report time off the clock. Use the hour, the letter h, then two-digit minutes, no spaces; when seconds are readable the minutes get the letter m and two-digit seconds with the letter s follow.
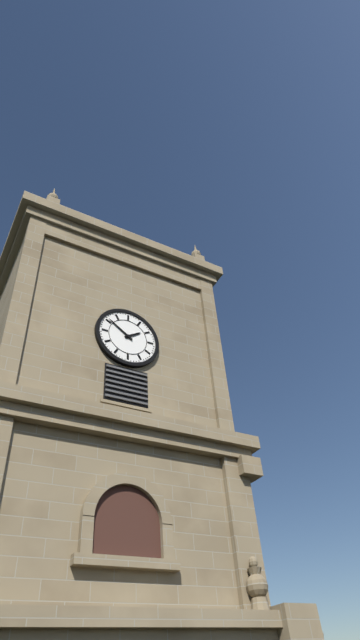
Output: 1h51
